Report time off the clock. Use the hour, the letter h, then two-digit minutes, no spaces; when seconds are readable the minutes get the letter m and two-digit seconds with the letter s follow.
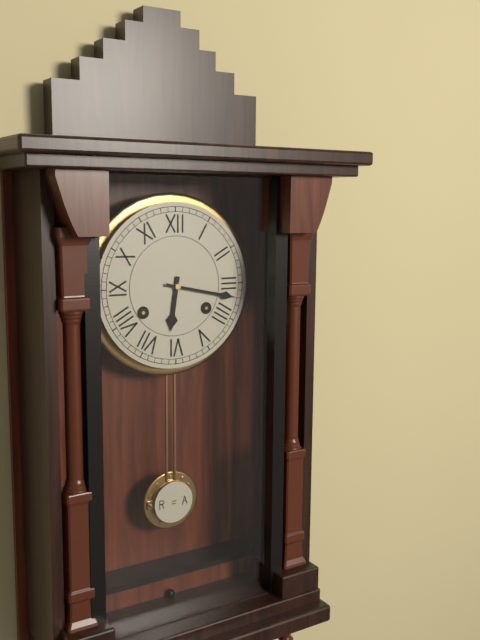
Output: 6h17
